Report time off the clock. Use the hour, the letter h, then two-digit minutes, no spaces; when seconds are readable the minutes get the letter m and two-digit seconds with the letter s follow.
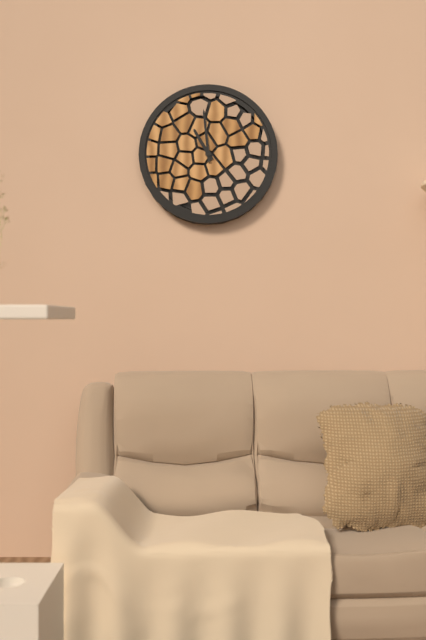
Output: 10h59
